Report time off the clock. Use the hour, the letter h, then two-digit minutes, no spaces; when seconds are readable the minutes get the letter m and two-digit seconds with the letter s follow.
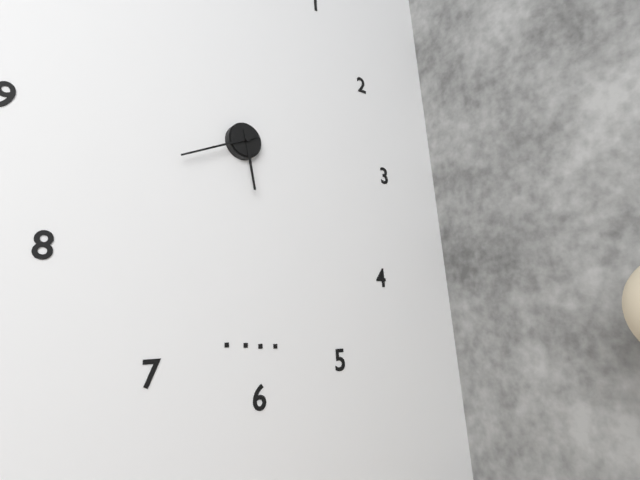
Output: 5h41
